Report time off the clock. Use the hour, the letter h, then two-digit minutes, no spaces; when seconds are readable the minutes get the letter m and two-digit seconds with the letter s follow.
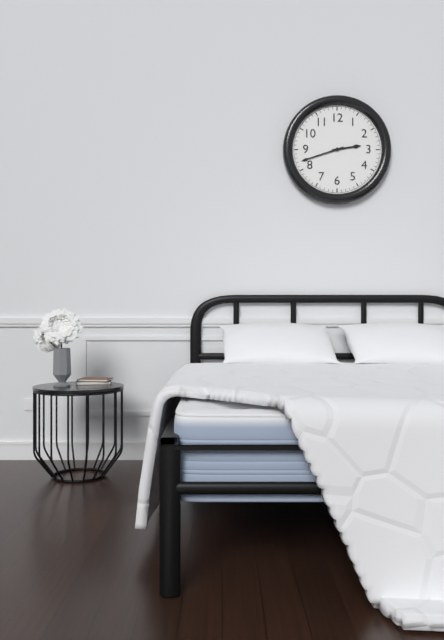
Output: 2h42
